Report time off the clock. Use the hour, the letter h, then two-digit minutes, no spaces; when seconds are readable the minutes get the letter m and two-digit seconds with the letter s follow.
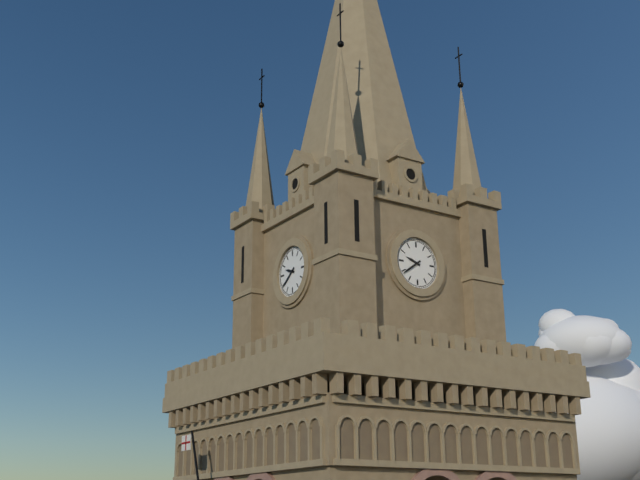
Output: 9h39
